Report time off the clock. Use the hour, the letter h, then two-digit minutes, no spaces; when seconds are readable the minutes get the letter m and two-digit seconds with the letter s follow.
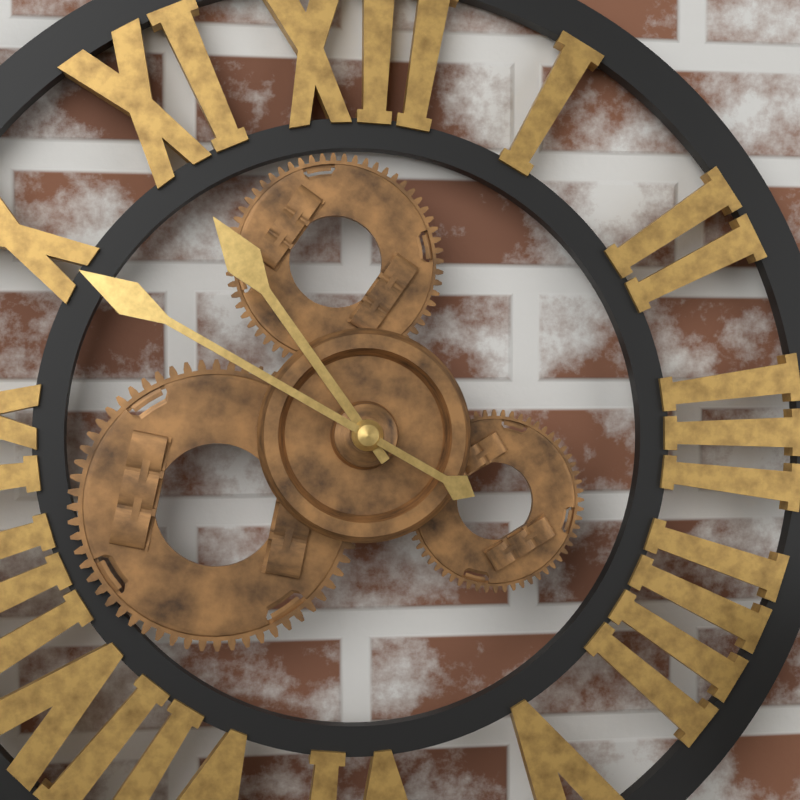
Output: 10h50
